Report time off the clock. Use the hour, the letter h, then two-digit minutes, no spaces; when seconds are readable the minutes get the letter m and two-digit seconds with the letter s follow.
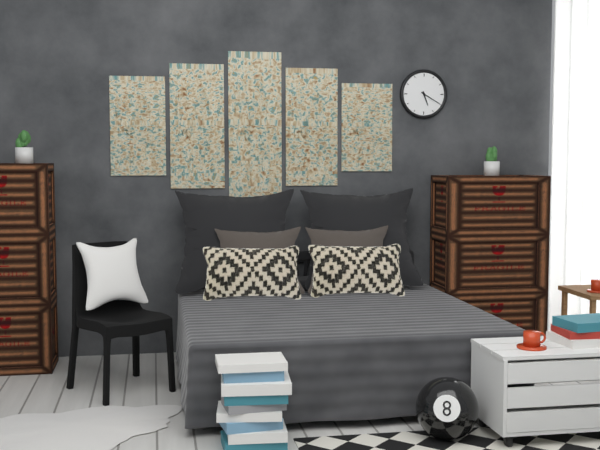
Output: 5h20
